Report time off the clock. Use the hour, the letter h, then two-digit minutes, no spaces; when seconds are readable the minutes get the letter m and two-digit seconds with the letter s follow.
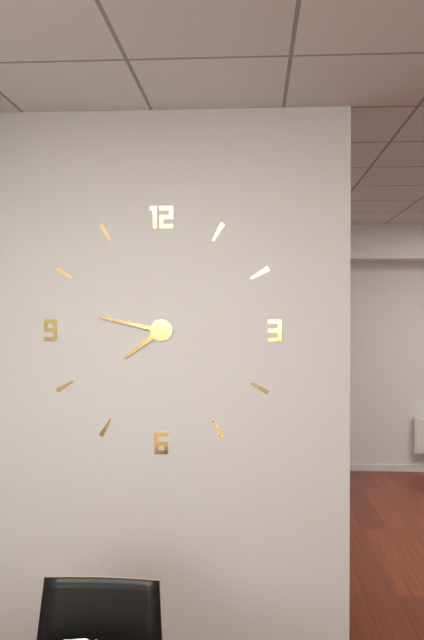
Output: 7h47
